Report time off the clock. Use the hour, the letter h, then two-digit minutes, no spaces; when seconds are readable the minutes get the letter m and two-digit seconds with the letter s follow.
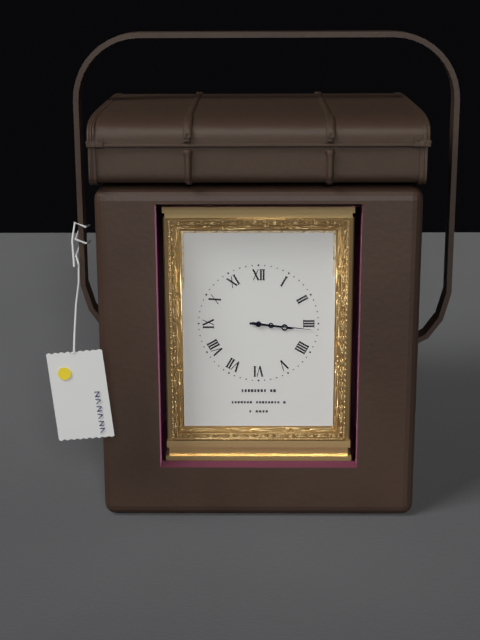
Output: 3h16
